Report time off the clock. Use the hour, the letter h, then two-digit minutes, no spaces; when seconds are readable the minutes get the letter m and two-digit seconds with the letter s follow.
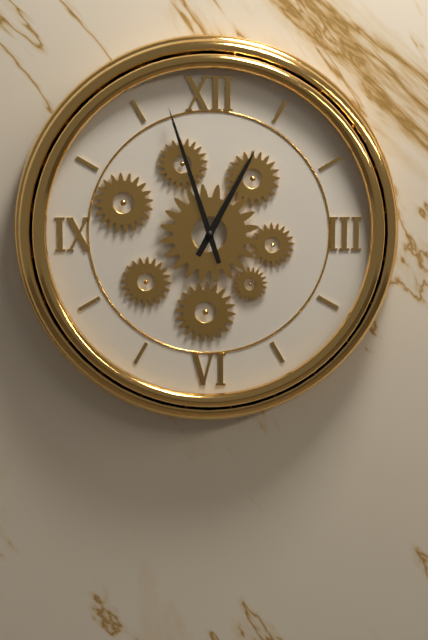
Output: 12h57
